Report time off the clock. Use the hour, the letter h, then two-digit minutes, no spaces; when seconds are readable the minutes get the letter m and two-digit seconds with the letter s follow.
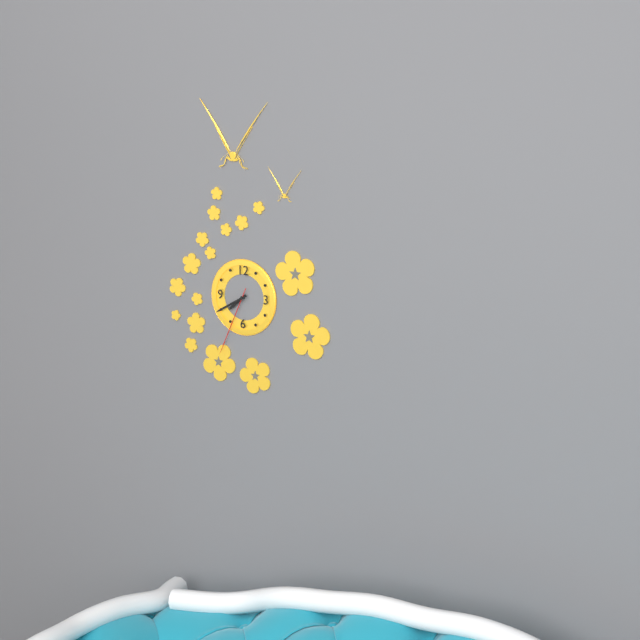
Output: 7h40m34s
